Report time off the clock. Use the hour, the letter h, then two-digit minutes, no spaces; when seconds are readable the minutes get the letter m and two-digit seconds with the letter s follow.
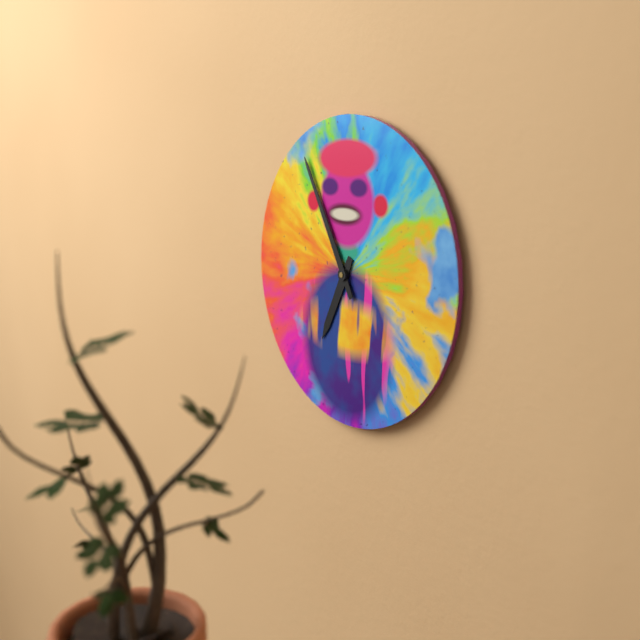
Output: 6h55
